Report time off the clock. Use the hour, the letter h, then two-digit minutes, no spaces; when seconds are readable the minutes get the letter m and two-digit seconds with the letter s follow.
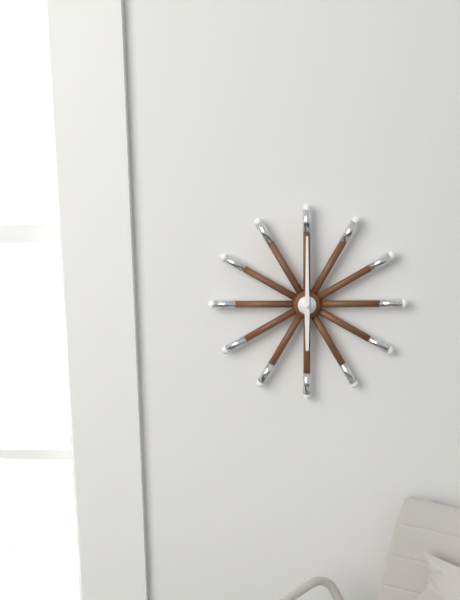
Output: 6h00
